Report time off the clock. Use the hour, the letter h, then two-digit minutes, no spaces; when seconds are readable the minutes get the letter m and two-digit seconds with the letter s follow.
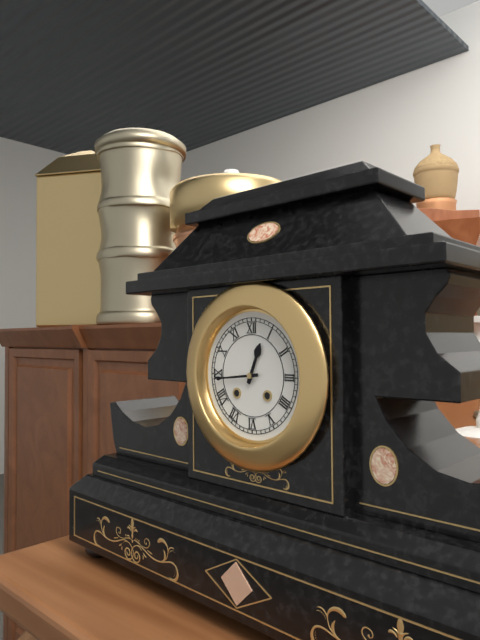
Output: 12h44
